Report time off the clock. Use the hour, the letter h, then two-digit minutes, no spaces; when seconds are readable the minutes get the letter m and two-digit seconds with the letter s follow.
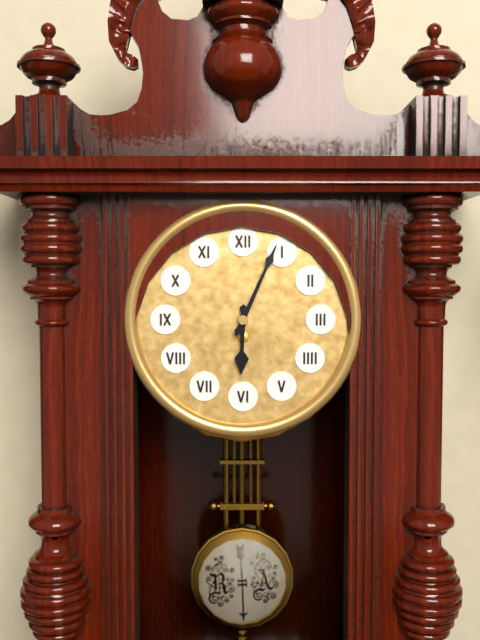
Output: 6h04
